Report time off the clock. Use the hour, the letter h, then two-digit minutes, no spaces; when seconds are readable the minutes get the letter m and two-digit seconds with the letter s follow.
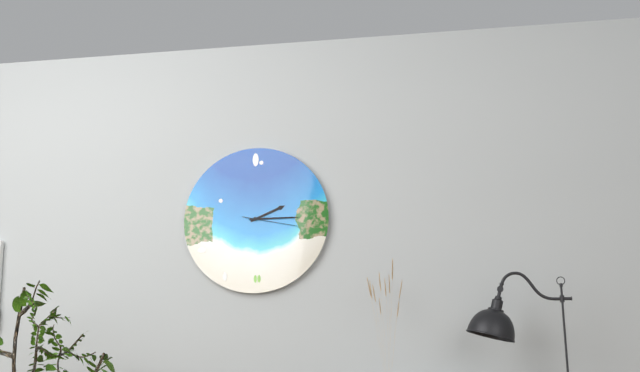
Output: 2h15m17s
